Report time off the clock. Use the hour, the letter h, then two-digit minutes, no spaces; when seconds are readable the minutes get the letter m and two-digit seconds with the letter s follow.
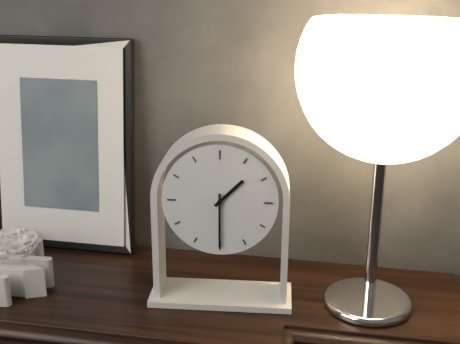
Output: 1h30
